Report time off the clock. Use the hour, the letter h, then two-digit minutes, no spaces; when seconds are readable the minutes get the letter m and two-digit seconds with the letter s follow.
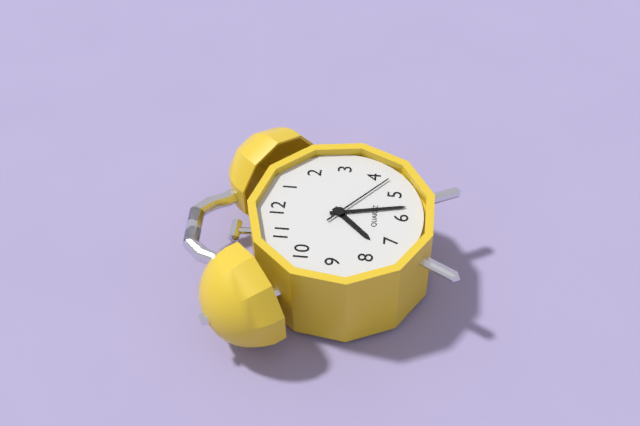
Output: 7h28m22s
